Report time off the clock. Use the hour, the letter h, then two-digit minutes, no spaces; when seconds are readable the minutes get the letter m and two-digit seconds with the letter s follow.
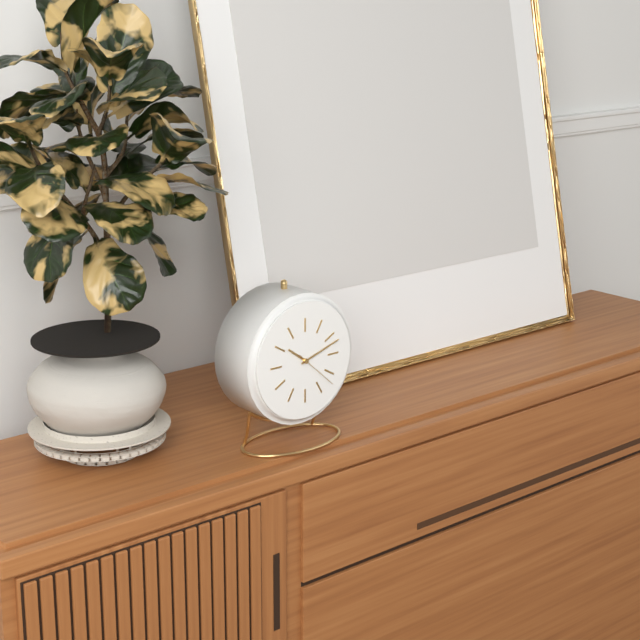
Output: 10h12
